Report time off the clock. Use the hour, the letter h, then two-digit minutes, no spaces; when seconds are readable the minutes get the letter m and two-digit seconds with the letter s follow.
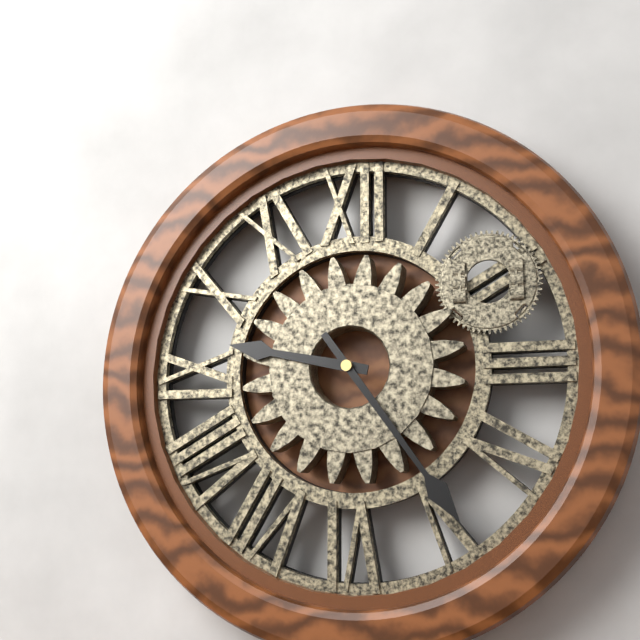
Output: 9h24
